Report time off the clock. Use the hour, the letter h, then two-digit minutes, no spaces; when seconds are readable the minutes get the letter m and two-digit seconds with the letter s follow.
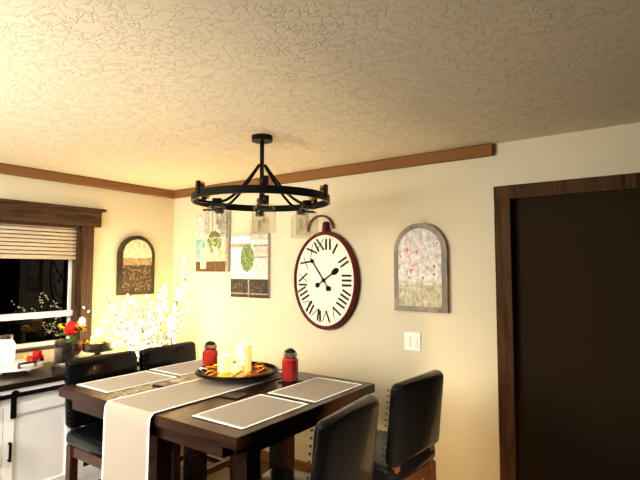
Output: 1h54
